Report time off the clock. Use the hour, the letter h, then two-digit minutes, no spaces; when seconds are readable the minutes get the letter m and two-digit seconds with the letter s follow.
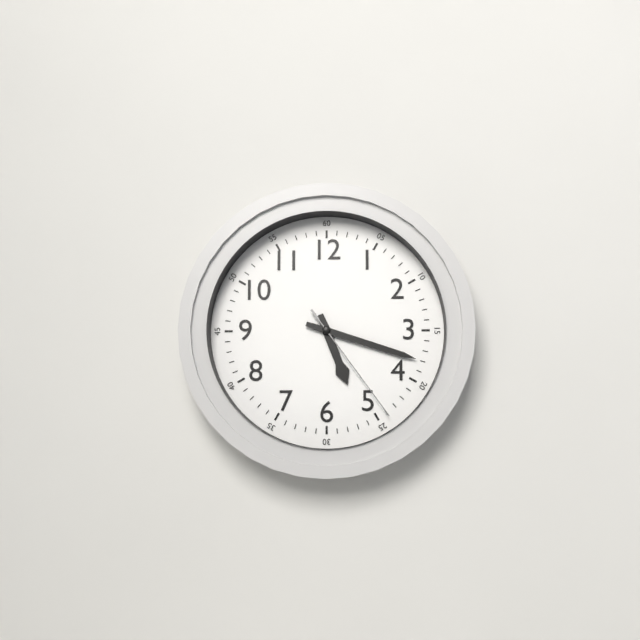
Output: 5h18m24s
